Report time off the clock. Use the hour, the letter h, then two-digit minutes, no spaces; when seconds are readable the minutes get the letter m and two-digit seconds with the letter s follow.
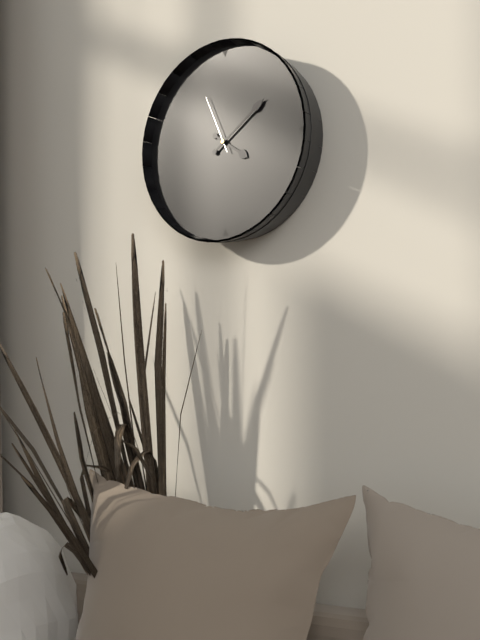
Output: 4h09m56s
